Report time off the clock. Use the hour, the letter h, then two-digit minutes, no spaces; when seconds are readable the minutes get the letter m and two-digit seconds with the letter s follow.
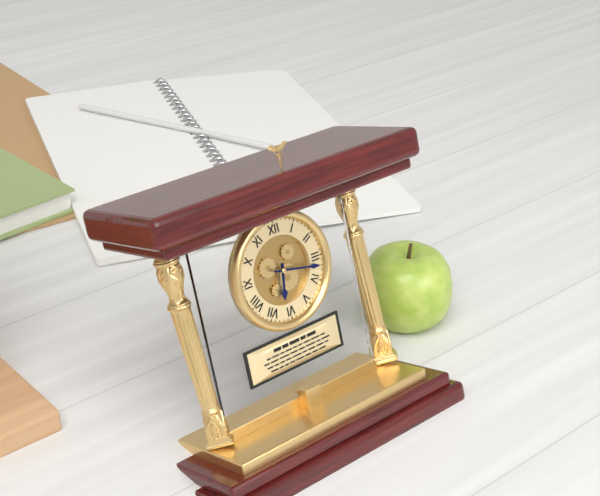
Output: 6h17
